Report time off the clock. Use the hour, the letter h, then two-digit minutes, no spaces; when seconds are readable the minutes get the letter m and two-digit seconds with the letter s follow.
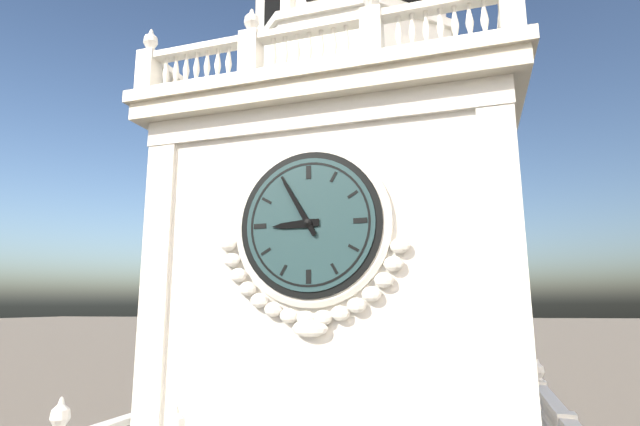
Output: 8h55
